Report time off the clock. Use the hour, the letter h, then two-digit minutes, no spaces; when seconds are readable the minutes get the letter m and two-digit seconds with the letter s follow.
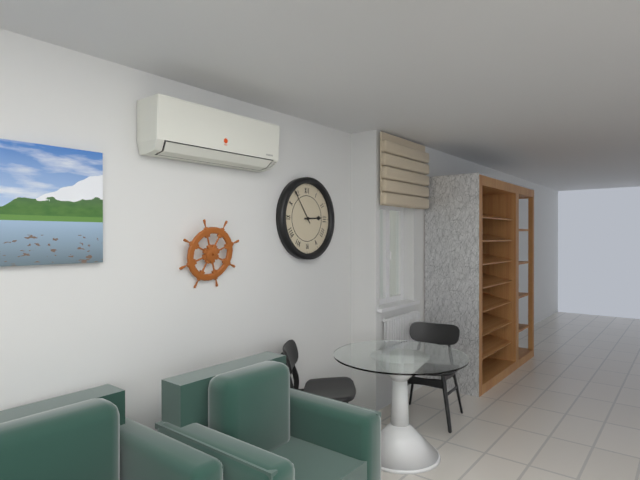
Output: 2h54
